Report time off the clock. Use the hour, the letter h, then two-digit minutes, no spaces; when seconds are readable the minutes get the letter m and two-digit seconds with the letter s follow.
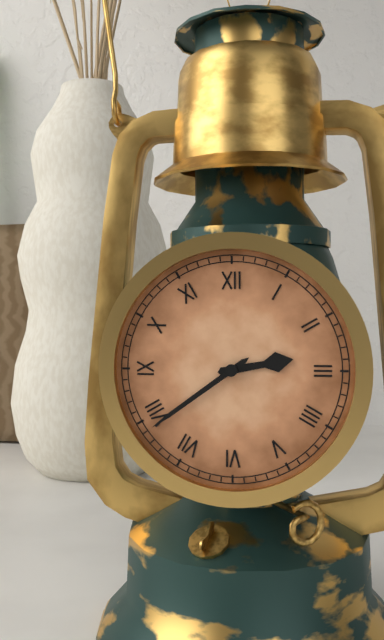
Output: 2h39
